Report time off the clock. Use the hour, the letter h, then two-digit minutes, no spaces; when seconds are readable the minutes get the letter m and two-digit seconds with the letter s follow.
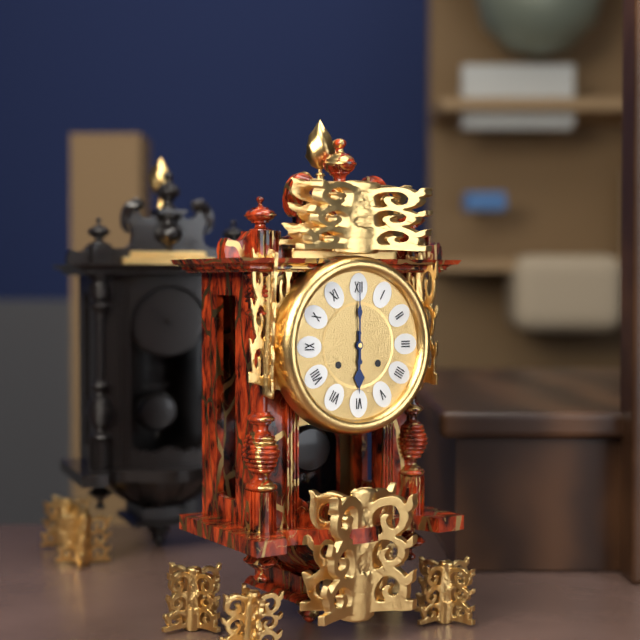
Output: 6h00
